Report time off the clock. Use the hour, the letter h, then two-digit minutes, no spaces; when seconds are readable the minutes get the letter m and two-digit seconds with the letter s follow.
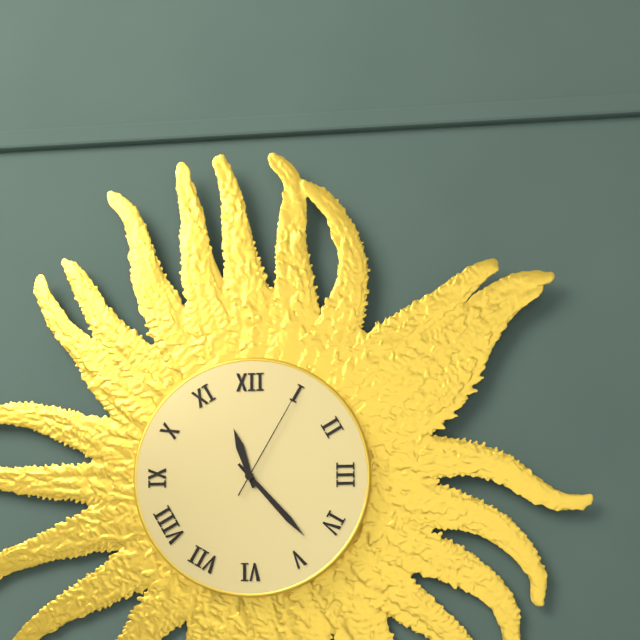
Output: 11h23m05s
